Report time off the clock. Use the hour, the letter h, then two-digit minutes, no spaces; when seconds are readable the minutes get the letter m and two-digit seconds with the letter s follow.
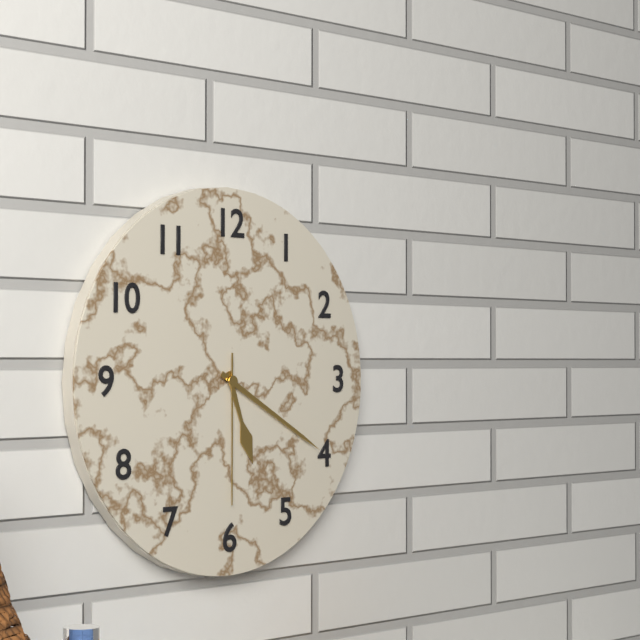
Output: 5h20m30s
